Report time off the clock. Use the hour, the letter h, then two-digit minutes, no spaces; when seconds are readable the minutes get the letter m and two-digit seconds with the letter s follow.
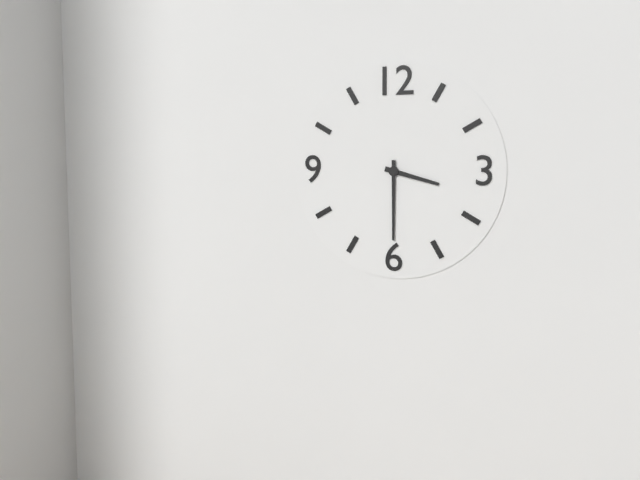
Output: 3h30
